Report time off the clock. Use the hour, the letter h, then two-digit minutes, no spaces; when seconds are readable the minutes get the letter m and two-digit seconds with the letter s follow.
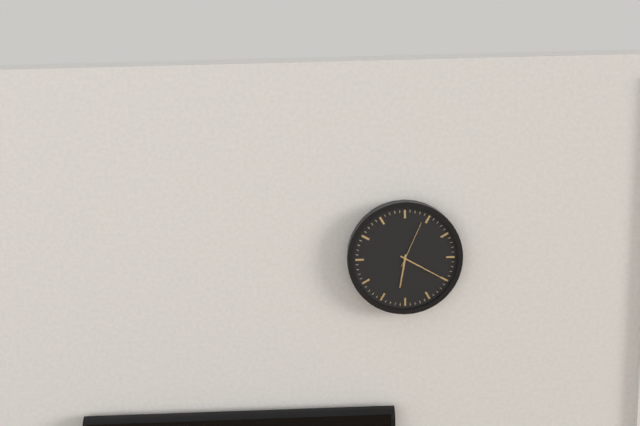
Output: 6h20m04s
